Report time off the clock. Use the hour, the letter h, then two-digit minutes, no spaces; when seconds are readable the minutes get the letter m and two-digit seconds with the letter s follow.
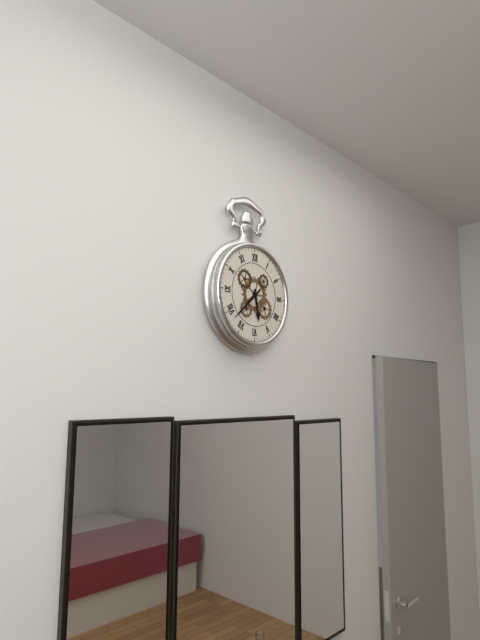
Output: 5h38
